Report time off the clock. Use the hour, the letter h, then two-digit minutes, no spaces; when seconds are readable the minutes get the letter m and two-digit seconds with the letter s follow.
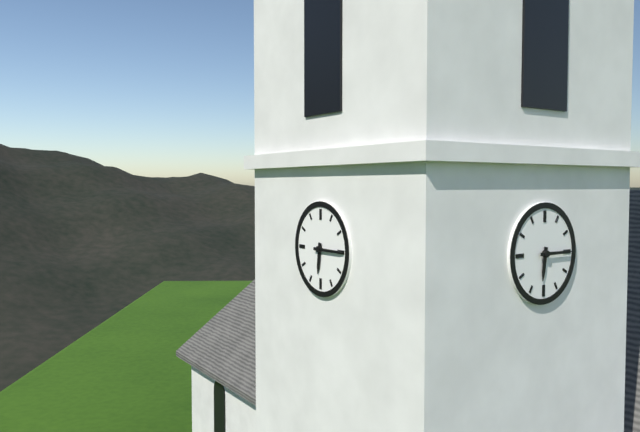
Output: 6h15
